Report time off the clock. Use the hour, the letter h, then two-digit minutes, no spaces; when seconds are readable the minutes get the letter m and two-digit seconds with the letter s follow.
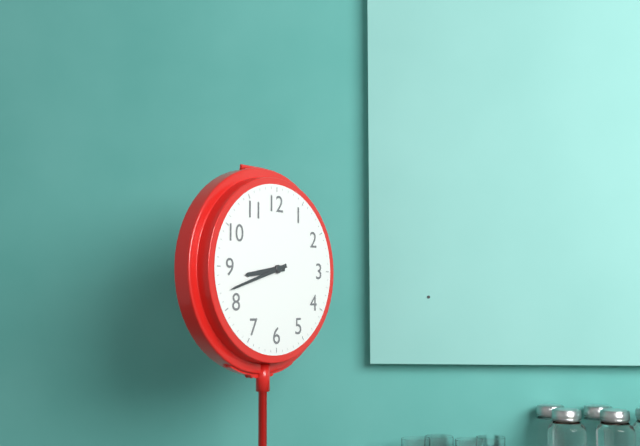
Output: 8h42
